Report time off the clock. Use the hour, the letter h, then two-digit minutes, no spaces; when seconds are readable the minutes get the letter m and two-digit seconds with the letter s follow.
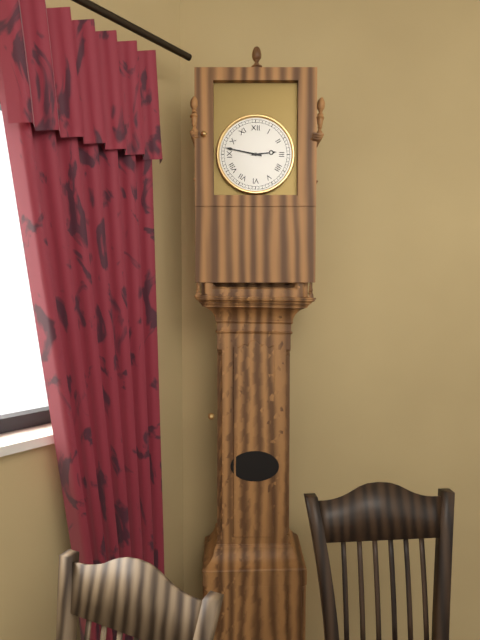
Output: 2h47
